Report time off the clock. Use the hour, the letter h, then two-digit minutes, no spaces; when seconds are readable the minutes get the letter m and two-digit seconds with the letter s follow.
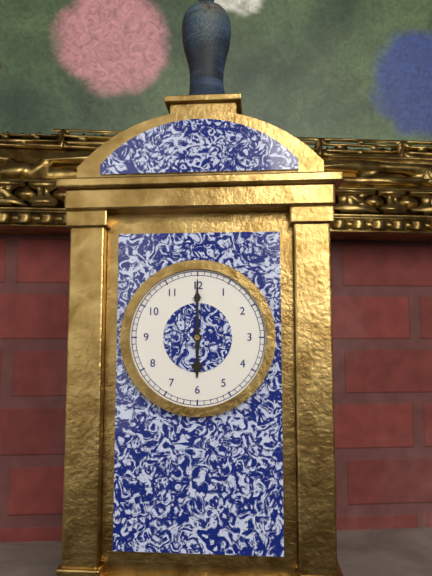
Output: 6h00
